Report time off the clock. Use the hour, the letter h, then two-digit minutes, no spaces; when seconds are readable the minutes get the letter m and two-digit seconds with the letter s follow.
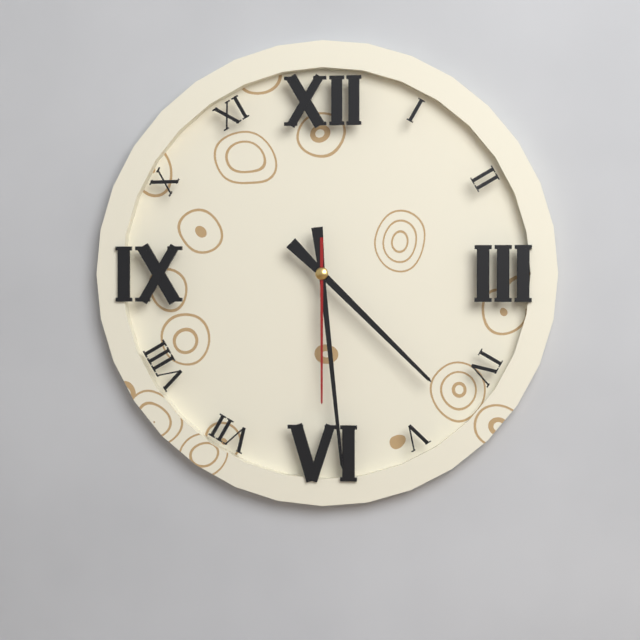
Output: 4h29m30s
